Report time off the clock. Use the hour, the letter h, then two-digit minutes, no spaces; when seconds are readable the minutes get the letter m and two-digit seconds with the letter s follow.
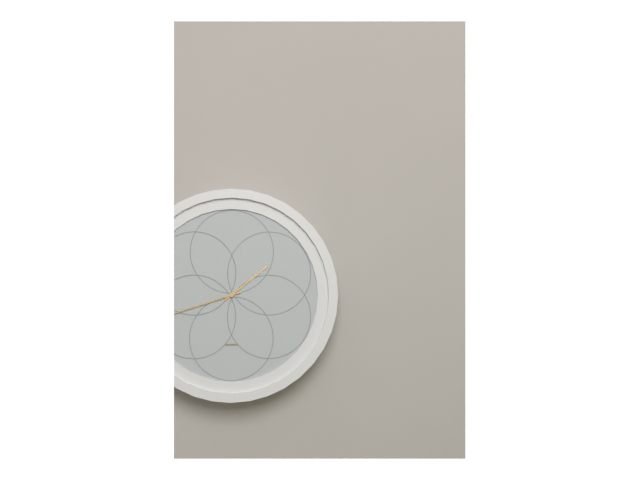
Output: 1h42
